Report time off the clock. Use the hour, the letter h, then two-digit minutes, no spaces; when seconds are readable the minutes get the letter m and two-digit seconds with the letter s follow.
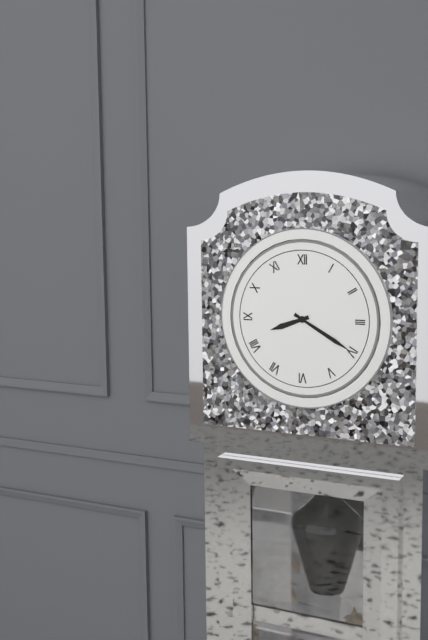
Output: 8h20
